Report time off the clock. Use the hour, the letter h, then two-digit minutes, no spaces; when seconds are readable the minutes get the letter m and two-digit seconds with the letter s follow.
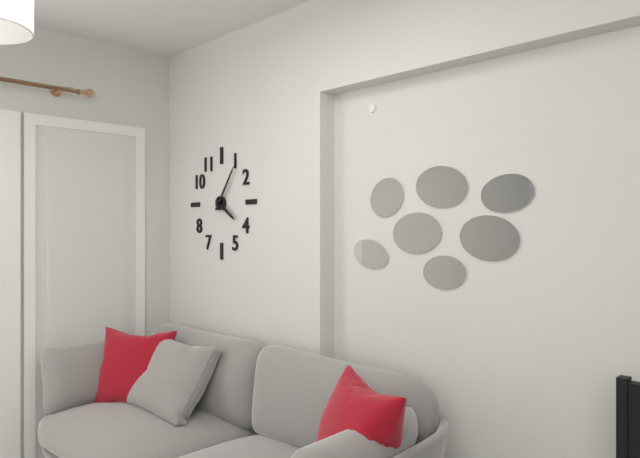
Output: 4h06
